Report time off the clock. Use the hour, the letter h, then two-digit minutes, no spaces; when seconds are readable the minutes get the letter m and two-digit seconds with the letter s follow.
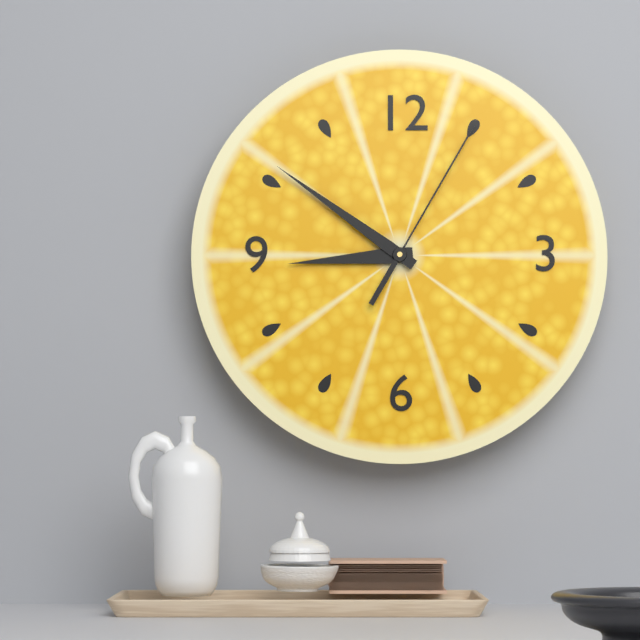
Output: 8h51m05s
